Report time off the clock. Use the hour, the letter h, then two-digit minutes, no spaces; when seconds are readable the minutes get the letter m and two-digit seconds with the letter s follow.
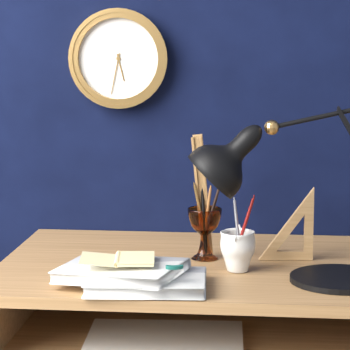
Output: 5h32
